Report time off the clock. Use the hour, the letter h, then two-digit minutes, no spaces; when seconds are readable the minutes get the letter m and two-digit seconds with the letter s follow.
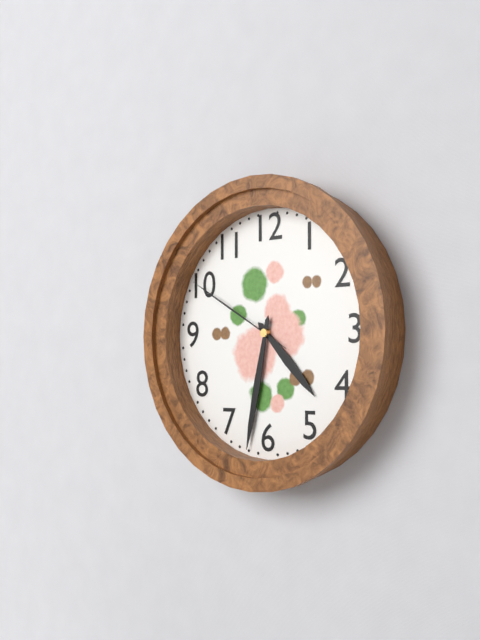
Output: 4h32m50s
